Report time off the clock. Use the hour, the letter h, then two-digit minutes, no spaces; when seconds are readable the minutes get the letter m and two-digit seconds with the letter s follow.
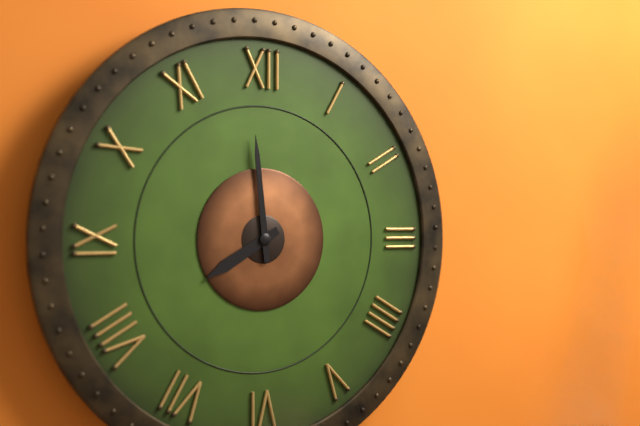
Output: 7h59
